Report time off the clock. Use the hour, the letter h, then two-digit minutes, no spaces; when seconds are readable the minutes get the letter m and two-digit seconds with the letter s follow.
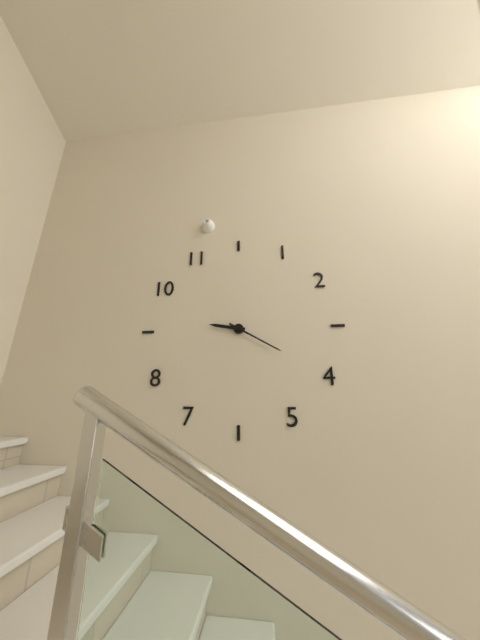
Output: 9h20
